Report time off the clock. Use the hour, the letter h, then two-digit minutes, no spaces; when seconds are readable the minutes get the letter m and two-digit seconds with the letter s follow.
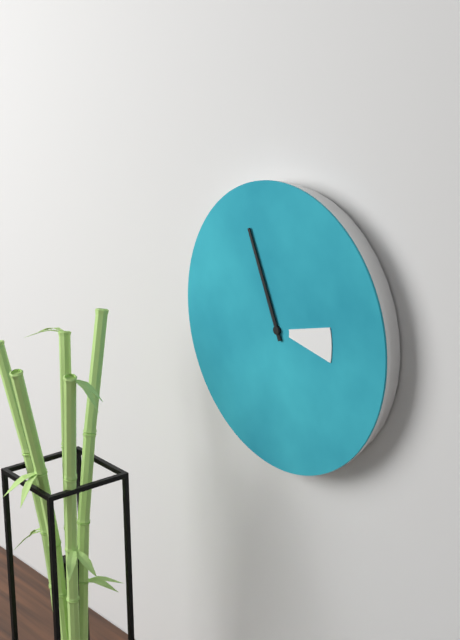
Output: 2h56
